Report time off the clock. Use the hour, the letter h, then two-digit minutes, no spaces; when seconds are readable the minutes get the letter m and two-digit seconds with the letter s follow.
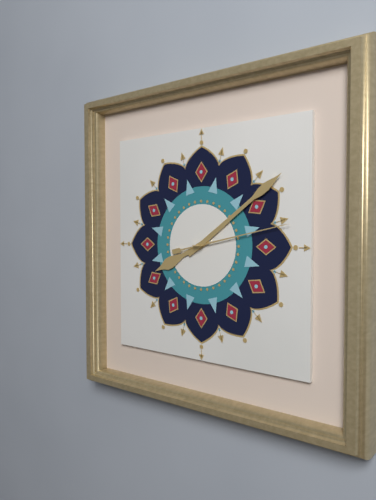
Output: 8h09m13s
